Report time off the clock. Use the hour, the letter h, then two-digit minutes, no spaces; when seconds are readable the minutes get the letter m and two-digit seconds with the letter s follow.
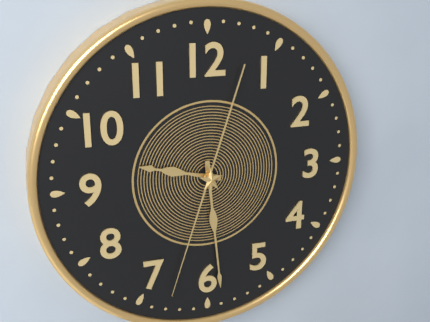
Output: 9h29m33s
